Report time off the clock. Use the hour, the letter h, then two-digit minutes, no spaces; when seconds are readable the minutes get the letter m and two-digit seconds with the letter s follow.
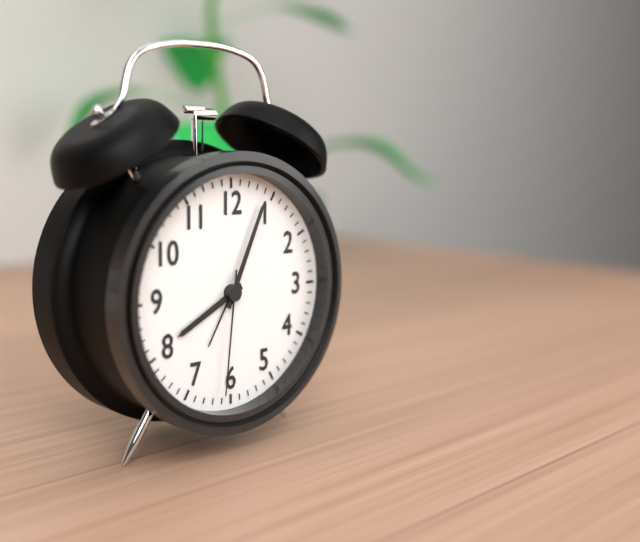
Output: 8h04m31s
